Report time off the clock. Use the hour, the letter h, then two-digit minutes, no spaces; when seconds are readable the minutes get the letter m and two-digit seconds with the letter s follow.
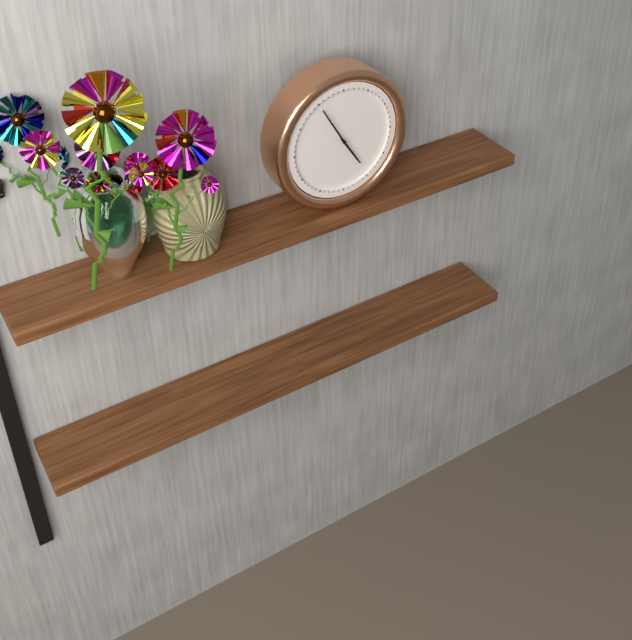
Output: 4h55
